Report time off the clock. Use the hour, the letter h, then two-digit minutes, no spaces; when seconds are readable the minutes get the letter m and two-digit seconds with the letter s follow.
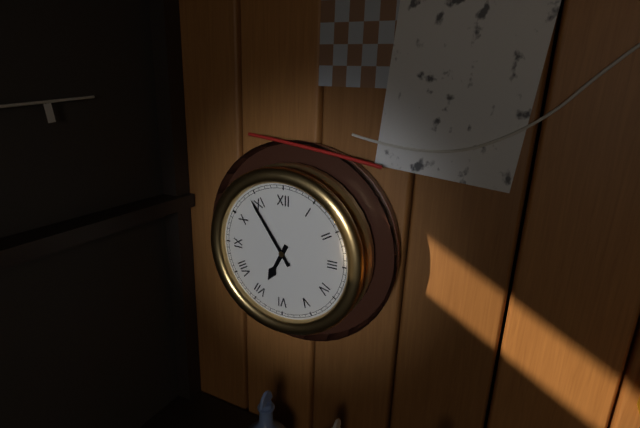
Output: 6h54
